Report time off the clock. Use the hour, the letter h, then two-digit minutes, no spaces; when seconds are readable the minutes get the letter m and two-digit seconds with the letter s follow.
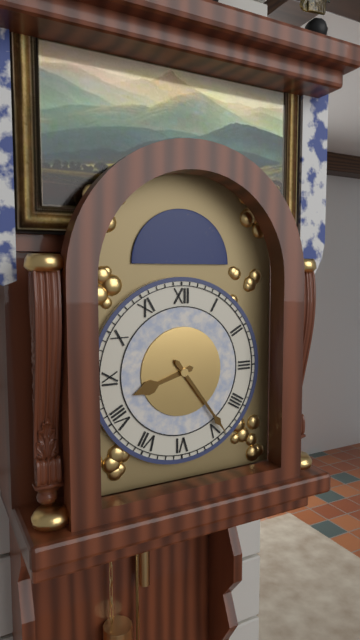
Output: 8h24
